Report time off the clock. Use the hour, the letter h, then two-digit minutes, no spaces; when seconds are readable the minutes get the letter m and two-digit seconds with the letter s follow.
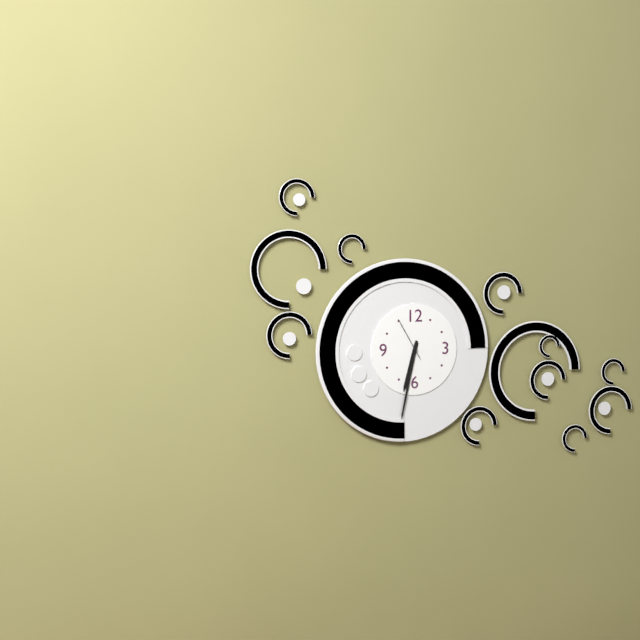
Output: 6h32
